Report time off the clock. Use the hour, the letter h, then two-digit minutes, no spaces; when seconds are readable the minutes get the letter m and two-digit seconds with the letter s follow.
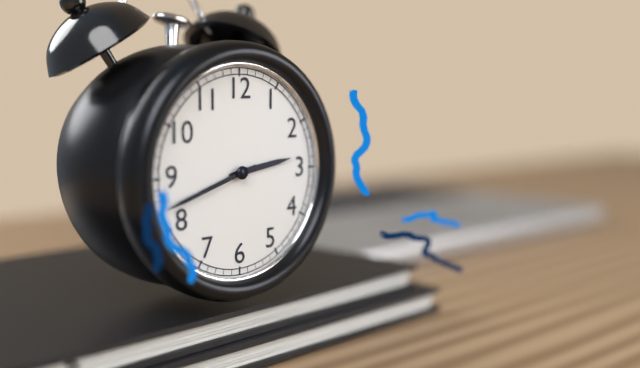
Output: 2h42
